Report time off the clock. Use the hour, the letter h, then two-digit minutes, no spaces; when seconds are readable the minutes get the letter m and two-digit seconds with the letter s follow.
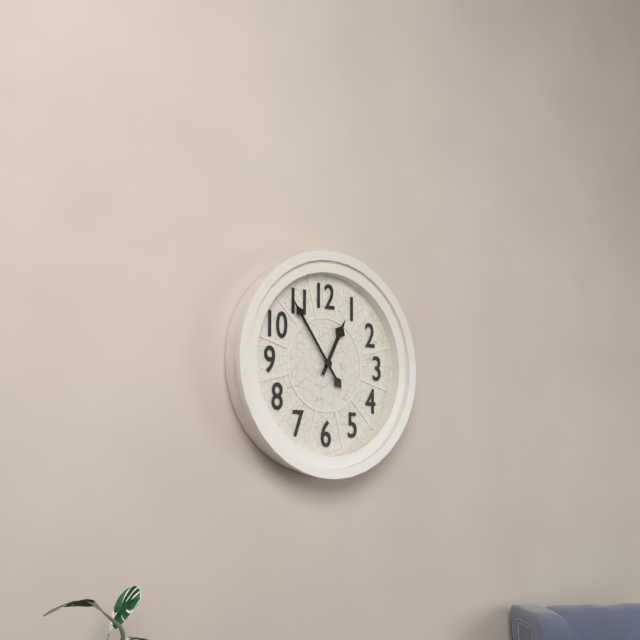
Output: 12h54
